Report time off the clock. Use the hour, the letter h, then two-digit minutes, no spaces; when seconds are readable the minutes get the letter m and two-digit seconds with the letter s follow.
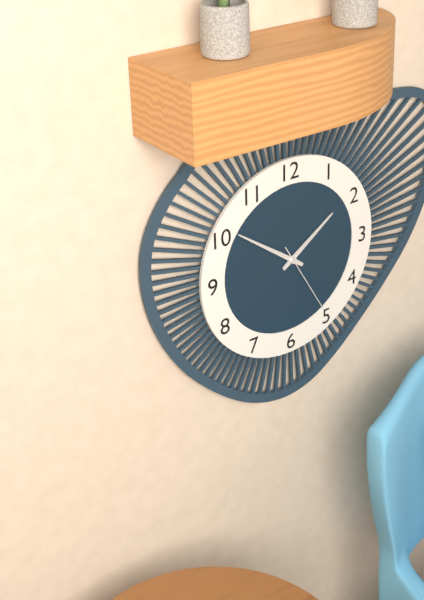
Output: 1h51m25s
